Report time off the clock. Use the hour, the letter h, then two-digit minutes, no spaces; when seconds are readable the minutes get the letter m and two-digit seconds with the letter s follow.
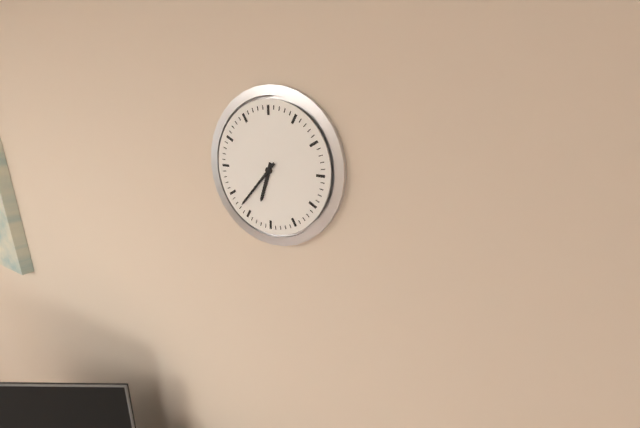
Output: 6h37
